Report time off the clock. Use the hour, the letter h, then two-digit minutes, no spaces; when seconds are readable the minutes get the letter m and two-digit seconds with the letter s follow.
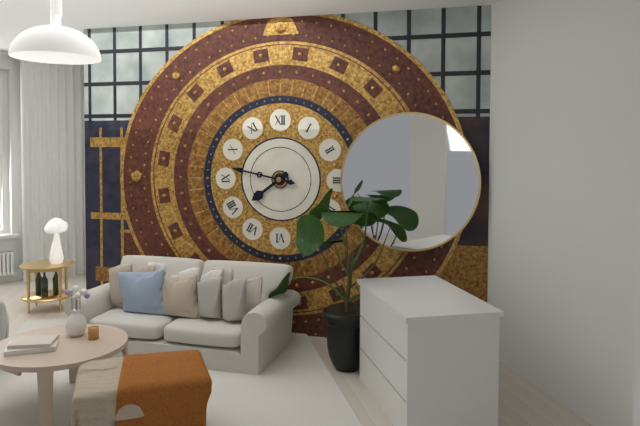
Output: 7h47
